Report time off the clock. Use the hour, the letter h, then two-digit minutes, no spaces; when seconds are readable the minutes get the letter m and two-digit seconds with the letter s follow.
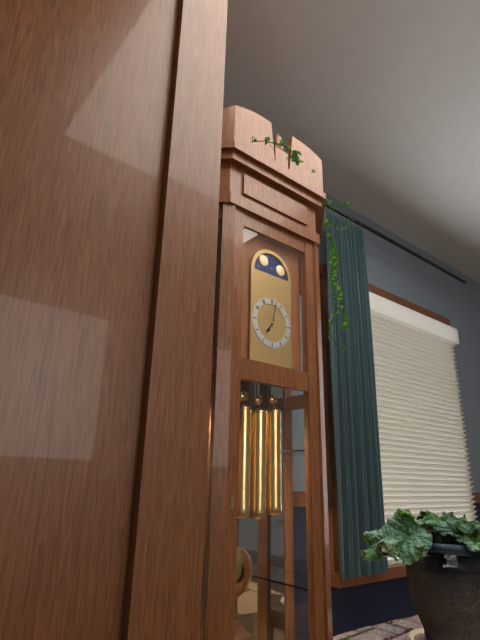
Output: 7h02
